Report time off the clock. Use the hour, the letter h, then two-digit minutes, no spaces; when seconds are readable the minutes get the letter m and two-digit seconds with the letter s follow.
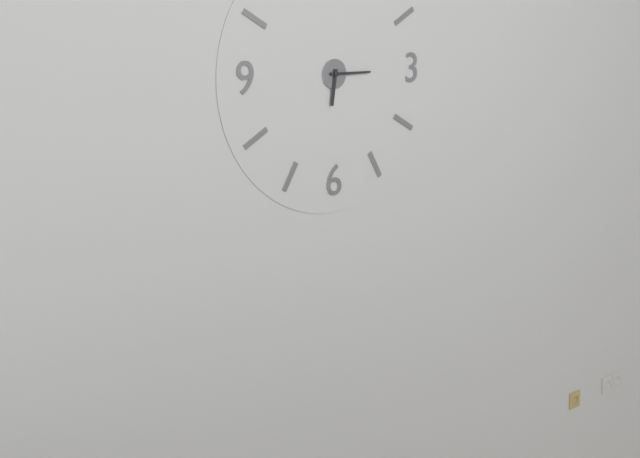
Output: 6h15
